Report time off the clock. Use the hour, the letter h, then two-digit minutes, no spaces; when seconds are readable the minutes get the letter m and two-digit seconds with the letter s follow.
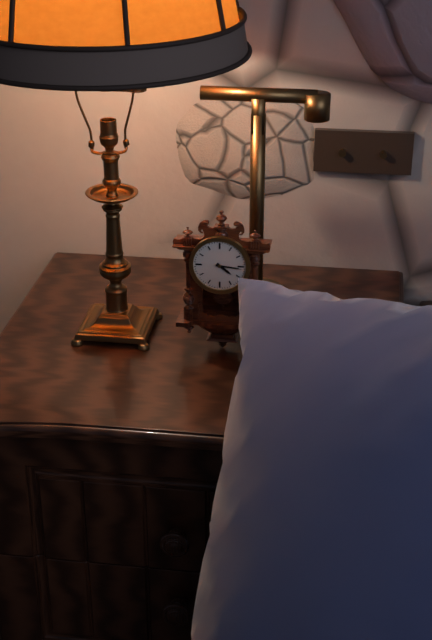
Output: 4h16
